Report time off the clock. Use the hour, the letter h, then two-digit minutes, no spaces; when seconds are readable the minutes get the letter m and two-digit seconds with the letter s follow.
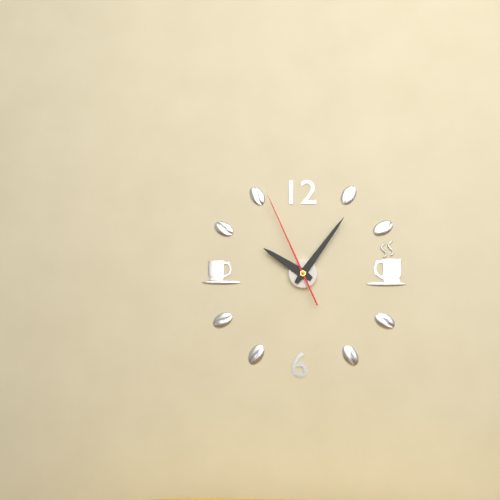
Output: 10h06m56s
